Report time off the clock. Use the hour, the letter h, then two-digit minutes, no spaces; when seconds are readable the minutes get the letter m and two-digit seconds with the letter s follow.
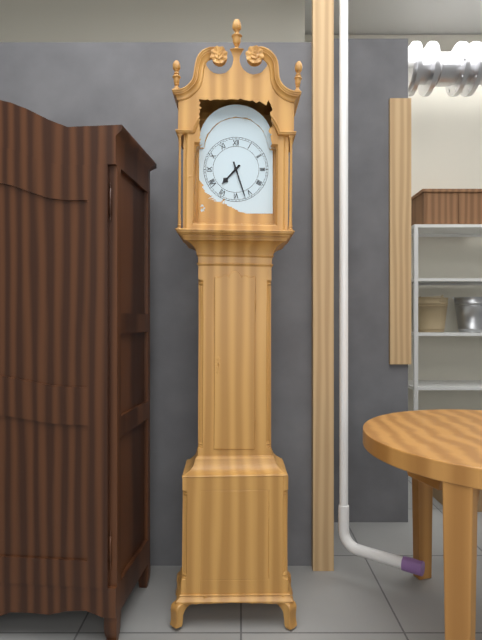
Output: 7h27
